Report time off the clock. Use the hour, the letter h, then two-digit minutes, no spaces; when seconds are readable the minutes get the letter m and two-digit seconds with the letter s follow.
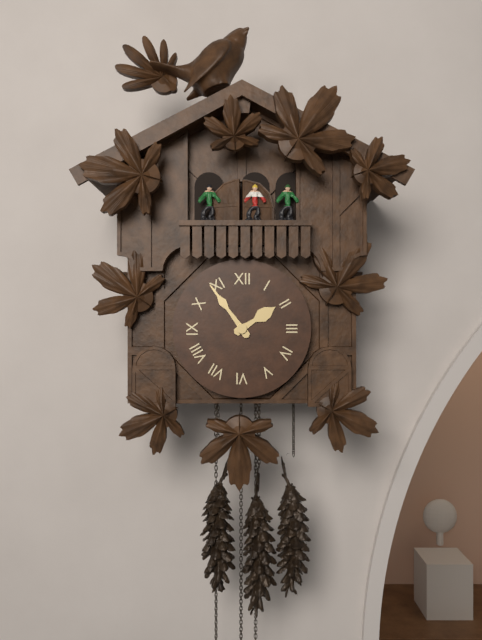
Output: 1h54
